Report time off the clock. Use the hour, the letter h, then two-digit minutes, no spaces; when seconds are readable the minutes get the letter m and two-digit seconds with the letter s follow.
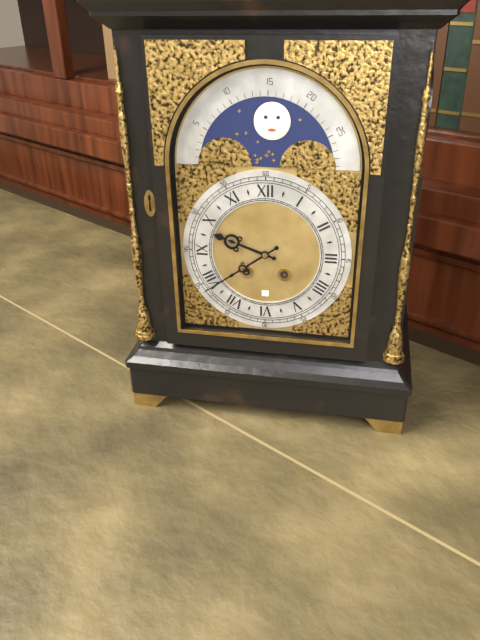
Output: 9h39
